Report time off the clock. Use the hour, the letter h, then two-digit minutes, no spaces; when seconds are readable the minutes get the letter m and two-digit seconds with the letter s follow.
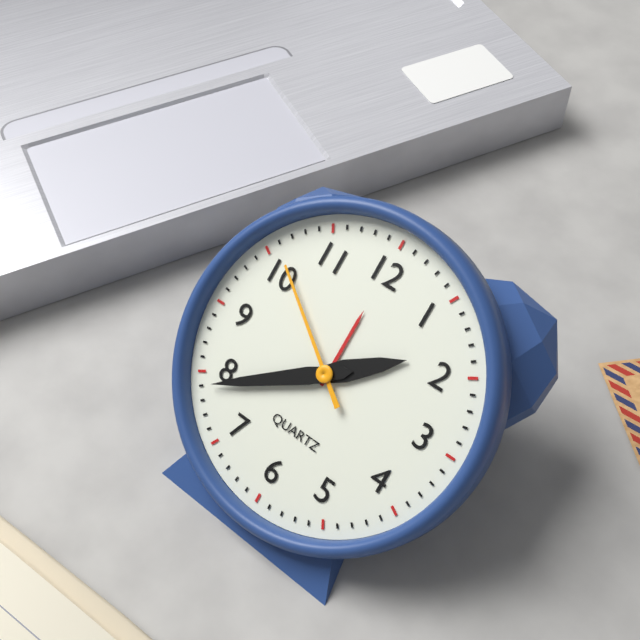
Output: 1h39m51s
